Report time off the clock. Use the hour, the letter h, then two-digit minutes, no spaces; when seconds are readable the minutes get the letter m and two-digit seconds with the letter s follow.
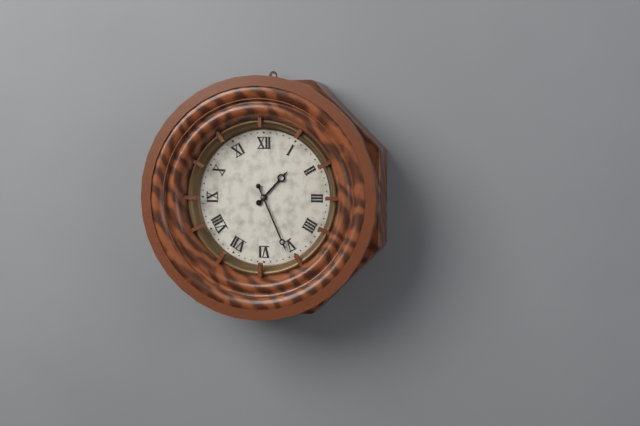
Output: 1h26
